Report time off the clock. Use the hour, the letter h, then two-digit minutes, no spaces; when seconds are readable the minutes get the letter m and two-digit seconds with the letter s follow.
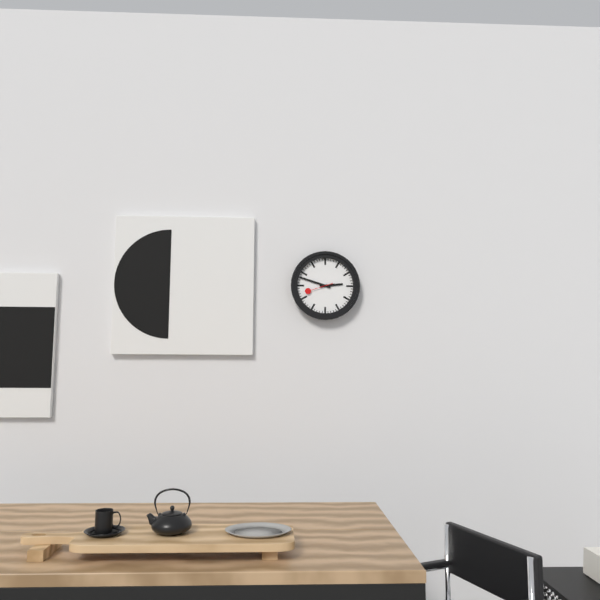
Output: 2h48
